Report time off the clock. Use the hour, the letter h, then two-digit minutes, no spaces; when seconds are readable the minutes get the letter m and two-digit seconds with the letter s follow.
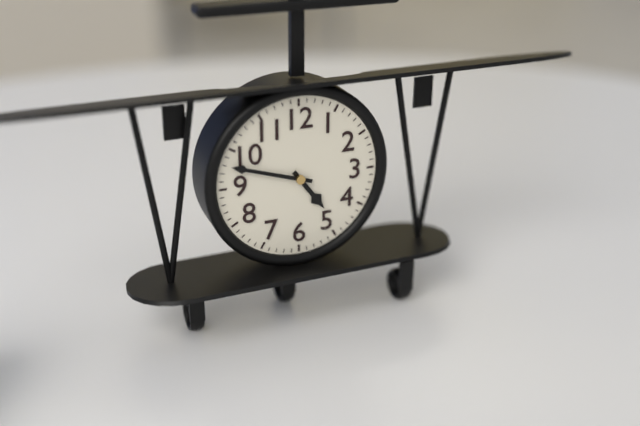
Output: 4h48
